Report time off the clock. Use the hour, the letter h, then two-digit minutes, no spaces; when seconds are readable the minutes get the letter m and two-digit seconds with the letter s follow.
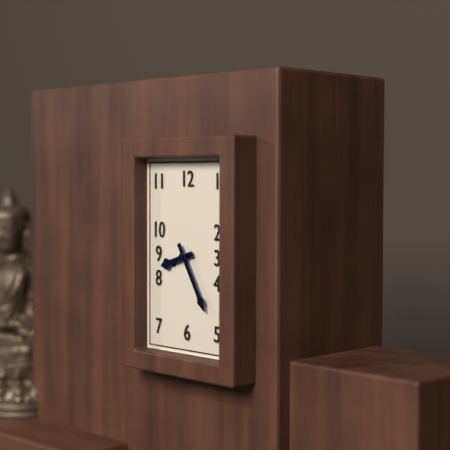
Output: 8h25
